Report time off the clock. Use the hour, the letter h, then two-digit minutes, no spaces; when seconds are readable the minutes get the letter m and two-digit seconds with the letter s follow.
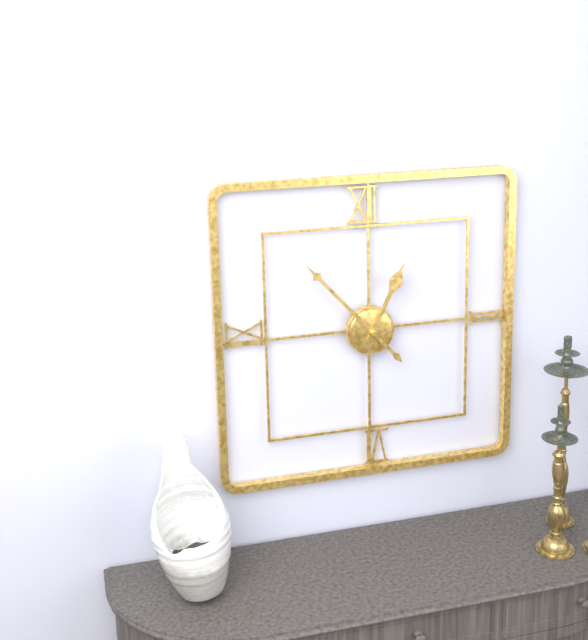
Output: 12h53
